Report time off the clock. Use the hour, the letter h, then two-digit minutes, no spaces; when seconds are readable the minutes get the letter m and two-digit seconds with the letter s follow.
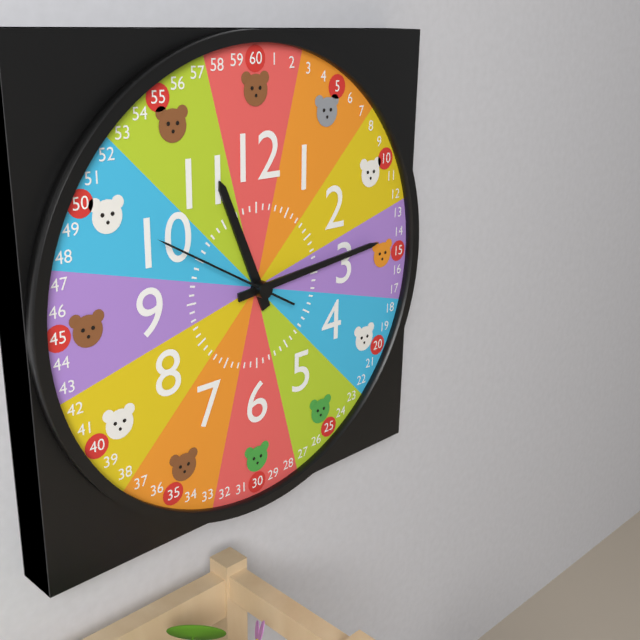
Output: 11h14m50s
